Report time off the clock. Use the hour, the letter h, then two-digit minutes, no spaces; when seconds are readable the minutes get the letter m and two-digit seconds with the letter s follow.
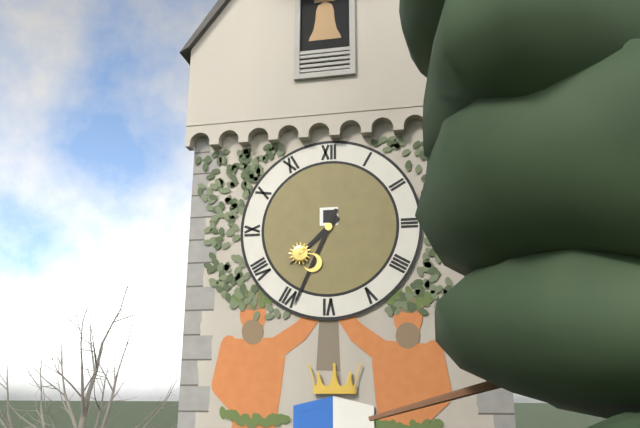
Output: 7h34
